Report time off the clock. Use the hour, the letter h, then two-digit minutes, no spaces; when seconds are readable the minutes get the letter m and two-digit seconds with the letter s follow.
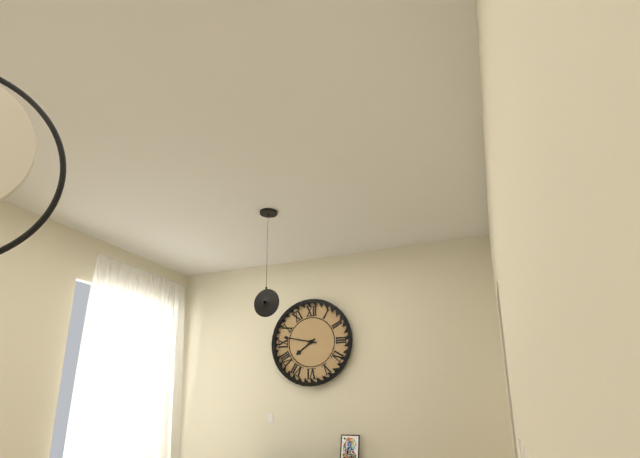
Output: 7h47
